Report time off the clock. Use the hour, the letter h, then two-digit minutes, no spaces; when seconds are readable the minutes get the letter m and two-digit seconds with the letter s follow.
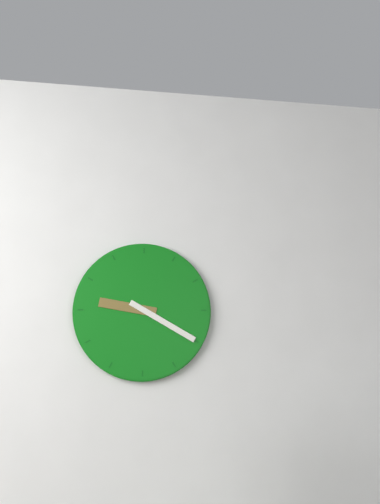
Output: 9h20
